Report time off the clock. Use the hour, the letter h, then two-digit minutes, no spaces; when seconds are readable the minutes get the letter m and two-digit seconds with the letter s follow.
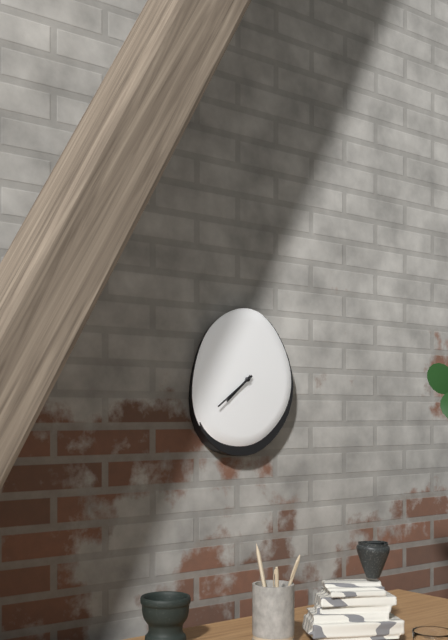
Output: 7h39
